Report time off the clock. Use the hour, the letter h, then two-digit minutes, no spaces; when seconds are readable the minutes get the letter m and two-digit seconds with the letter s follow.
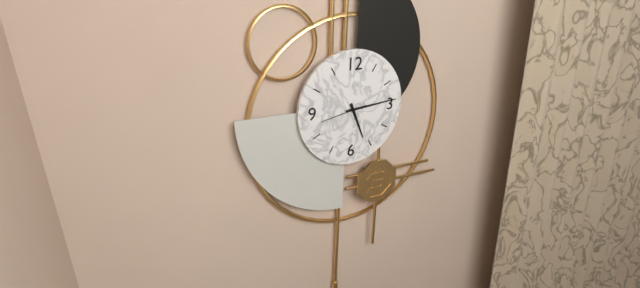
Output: 5h14
